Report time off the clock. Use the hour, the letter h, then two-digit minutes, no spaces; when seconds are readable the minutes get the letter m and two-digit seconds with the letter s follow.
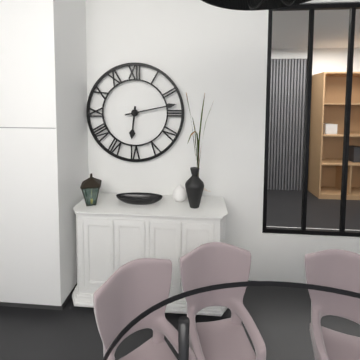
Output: 6h13
